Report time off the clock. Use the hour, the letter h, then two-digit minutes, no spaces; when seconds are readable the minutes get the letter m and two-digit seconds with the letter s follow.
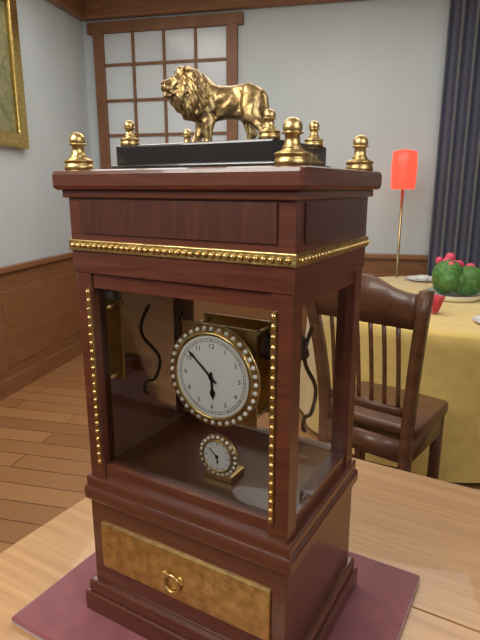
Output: 5h52
